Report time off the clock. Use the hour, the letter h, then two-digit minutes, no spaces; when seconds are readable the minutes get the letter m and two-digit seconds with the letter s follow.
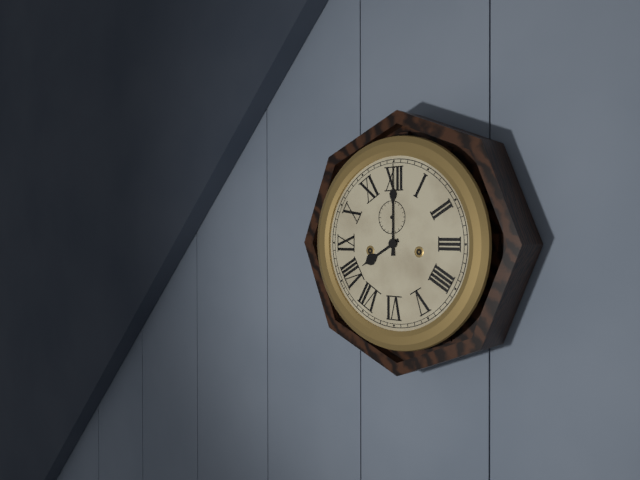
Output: 8h00
